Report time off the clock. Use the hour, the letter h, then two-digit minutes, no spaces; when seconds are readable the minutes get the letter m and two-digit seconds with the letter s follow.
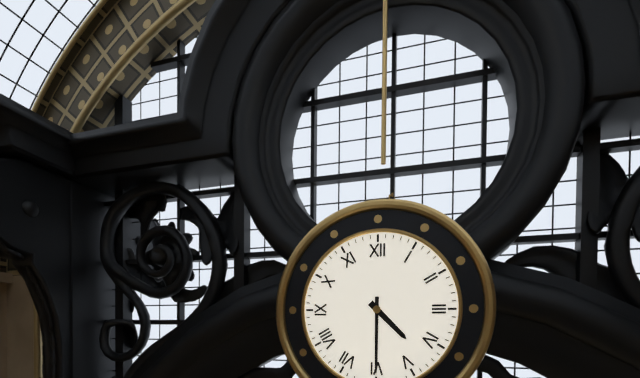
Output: 4h30
